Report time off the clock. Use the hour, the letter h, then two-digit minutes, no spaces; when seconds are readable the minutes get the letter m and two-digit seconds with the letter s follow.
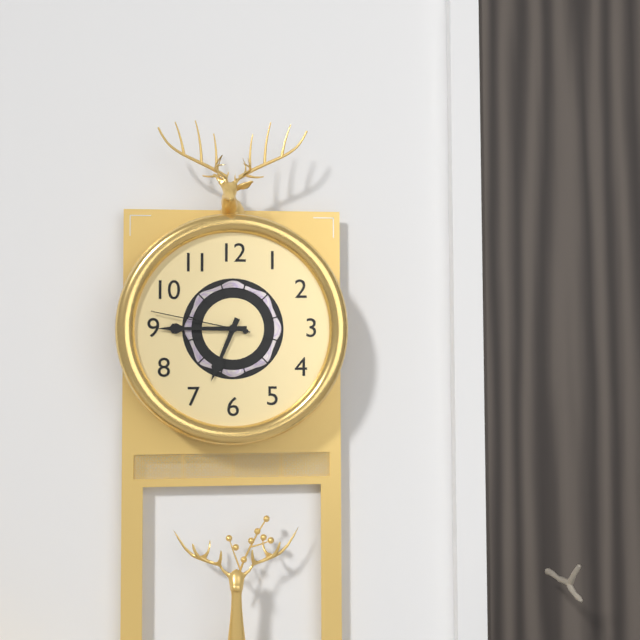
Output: 6h45m47s
